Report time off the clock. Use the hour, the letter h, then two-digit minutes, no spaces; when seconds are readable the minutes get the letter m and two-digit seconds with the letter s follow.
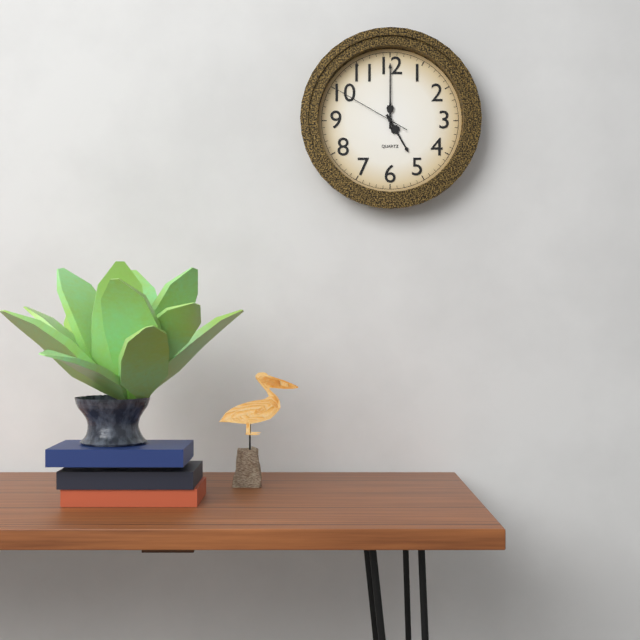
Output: 5h00m50s
